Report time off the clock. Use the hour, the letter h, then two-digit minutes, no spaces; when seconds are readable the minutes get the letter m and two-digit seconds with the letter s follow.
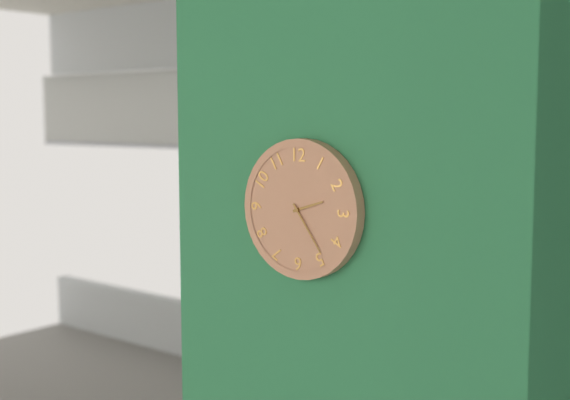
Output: 2h24
